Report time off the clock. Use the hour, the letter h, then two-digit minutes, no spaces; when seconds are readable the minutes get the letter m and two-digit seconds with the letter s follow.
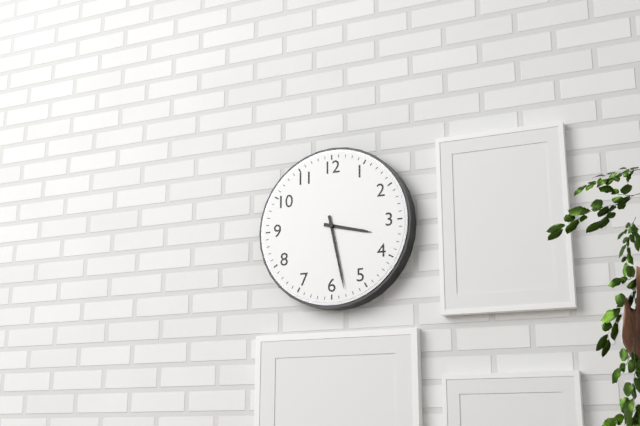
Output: 3h28
